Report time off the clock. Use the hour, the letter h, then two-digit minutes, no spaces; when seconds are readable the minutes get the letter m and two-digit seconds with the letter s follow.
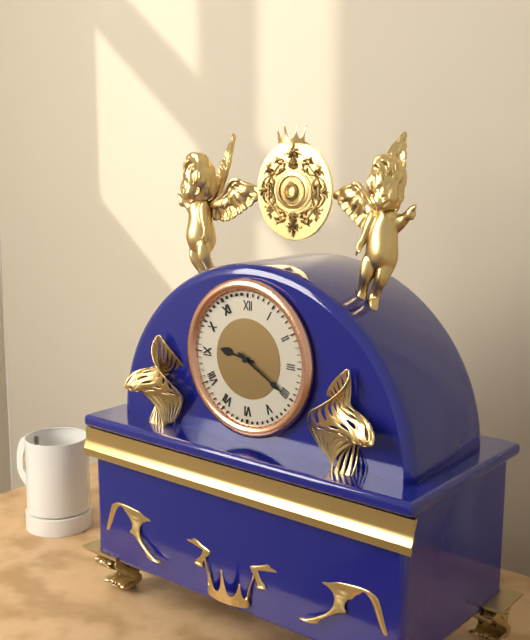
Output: 9h20
